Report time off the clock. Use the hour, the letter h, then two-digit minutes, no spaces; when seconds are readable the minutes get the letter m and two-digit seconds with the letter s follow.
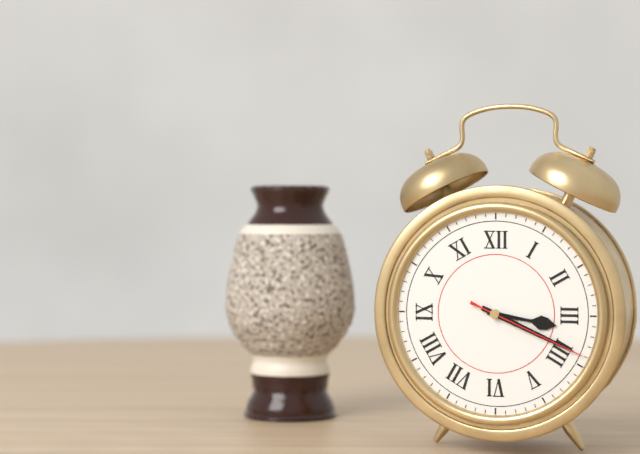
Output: 3h19m19s
